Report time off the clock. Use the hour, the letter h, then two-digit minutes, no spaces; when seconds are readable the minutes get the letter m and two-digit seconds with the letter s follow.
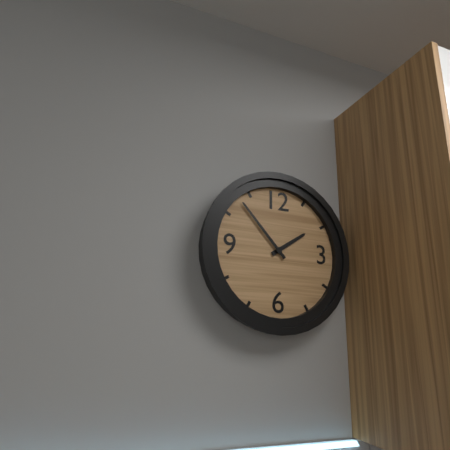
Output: 1h53
